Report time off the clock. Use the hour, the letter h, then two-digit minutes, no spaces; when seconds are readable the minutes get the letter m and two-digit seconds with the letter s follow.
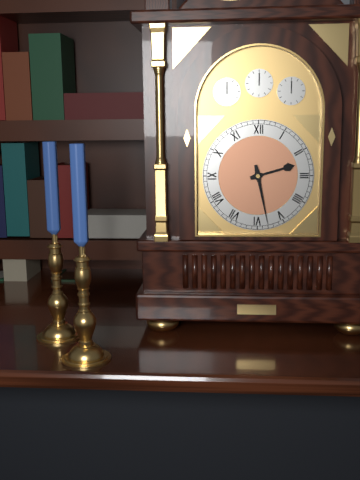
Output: 2h28
